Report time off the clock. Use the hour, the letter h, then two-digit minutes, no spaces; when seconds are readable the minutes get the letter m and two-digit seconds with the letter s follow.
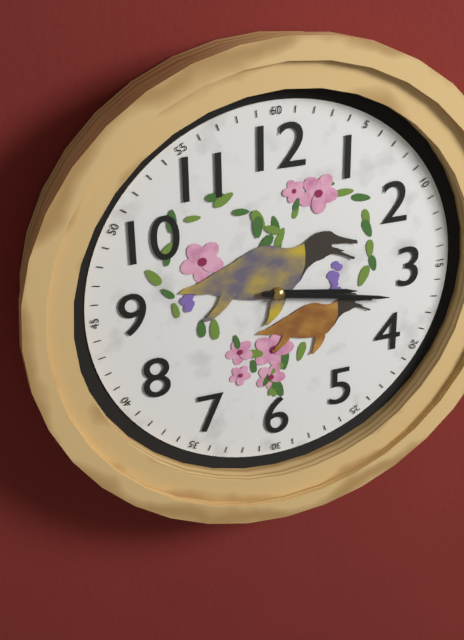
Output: 3h17
